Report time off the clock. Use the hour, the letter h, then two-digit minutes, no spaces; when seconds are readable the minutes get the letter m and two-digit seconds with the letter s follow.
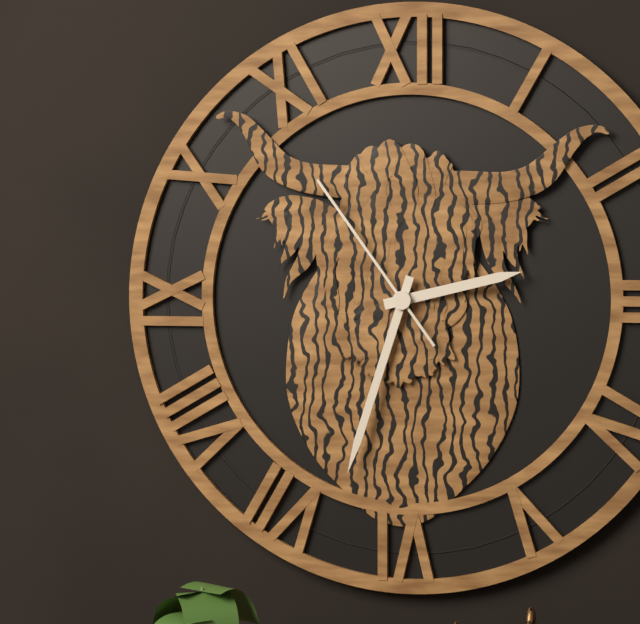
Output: 2h33m54s
